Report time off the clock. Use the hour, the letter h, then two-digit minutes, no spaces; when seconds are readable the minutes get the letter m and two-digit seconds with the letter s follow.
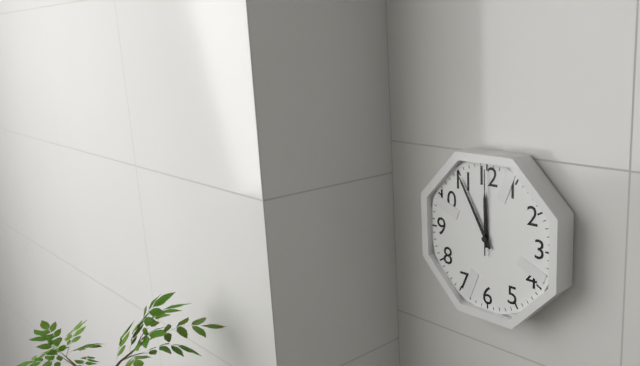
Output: 11h55m00s
